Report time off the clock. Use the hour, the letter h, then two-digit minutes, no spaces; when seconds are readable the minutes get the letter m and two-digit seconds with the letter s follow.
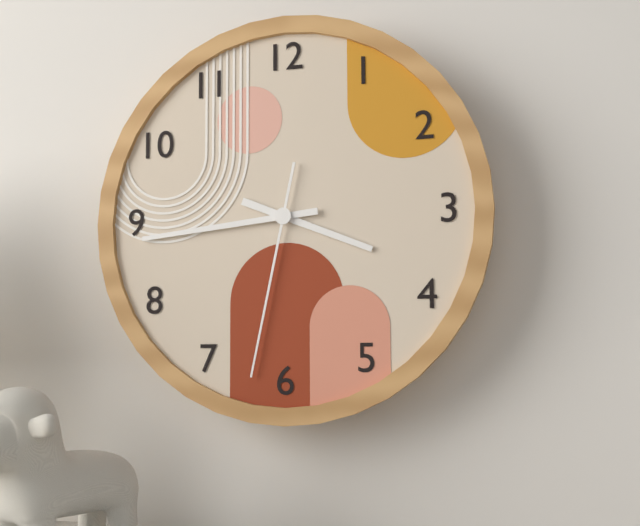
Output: 3h44m32s
